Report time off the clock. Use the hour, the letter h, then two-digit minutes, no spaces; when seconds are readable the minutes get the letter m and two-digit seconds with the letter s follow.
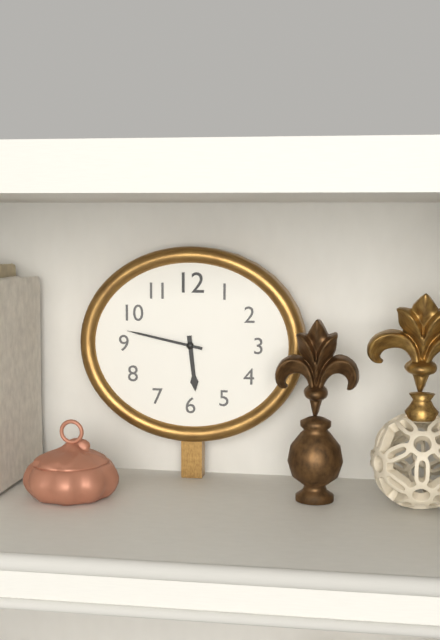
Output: 5h47
